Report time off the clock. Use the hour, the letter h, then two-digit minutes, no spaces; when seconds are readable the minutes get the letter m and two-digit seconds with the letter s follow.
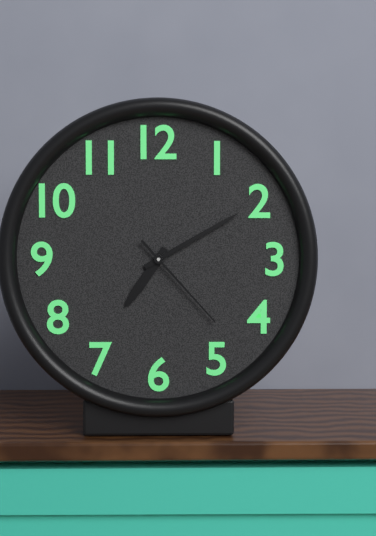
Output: 7h10m23s
